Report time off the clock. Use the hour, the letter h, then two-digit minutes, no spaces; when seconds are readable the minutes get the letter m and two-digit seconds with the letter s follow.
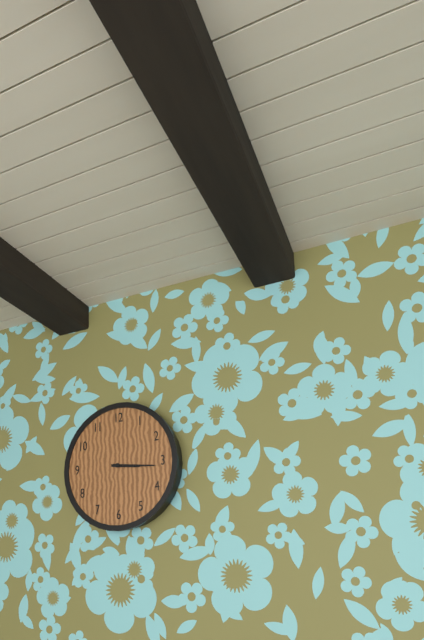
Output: 3h16
